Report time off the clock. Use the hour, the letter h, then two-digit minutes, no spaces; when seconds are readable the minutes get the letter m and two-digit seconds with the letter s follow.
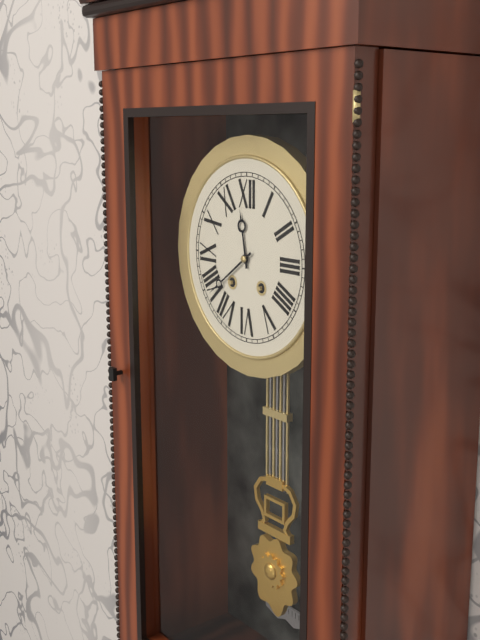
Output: 11h39
